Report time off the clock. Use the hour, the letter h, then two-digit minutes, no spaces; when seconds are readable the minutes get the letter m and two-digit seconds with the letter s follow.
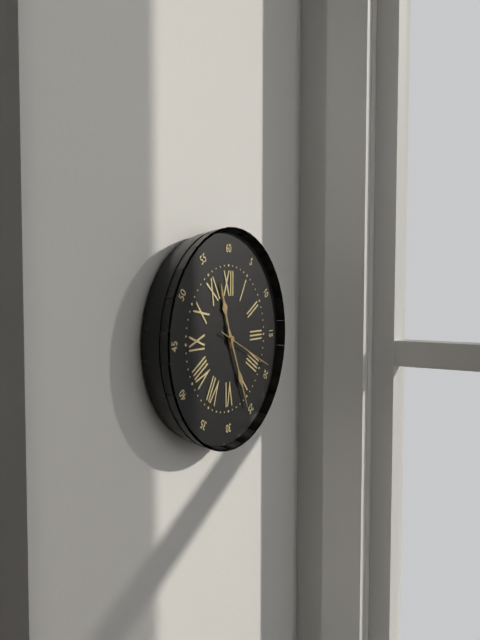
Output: 11h26m19s
